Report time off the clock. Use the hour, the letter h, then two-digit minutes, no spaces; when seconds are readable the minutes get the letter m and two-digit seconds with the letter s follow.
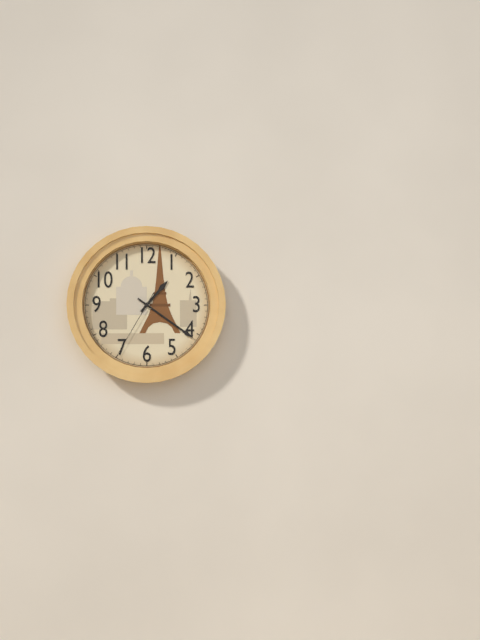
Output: 1h21m35s
